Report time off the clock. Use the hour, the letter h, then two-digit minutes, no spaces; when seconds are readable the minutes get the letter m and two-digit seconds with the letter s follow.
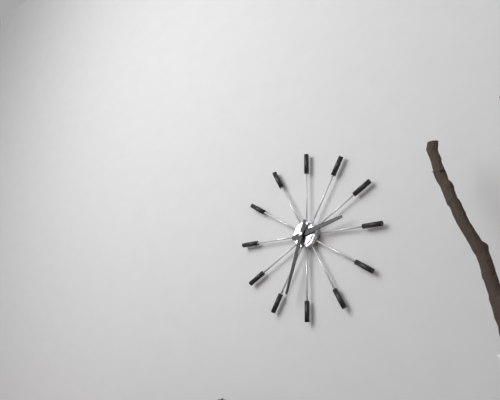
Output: 2h33
